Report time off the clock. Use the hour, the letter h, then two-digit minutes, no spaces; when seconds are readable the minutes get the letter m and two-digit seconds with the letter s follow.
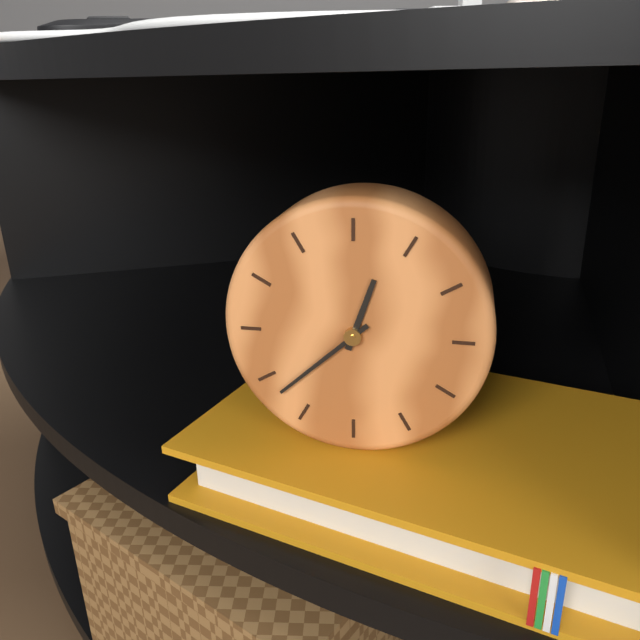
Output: 12h38
